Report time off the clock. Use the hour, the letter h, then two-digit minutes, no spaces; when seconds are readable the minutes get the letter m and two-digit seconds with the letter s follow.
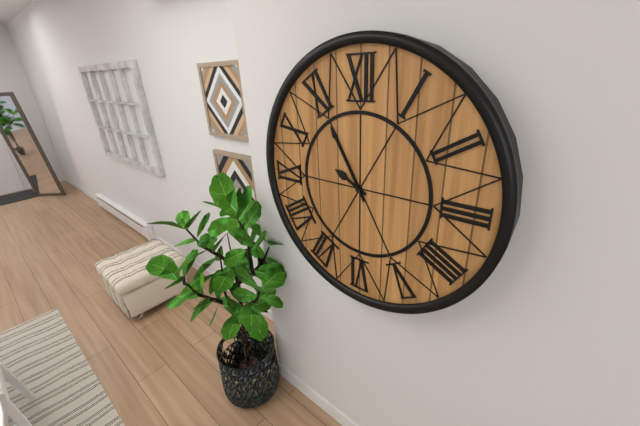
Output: 9h55
